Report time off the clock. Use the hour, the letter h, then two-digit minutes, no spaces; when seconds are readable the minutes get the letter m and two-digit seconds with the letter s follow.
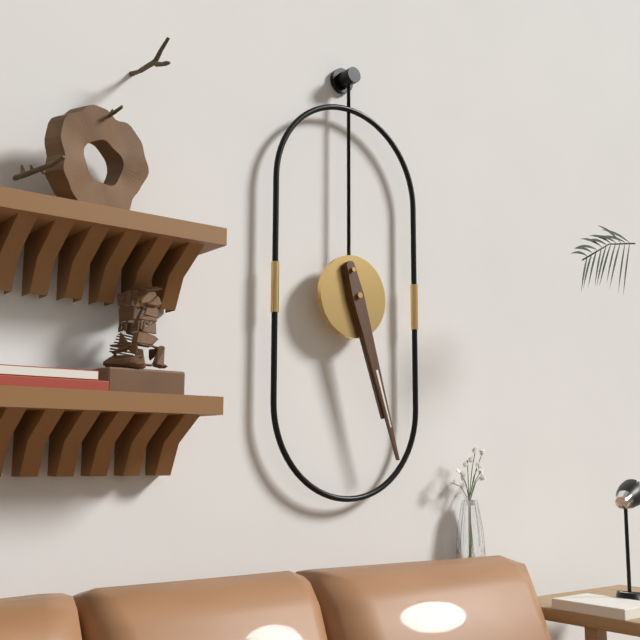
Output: 5h27
